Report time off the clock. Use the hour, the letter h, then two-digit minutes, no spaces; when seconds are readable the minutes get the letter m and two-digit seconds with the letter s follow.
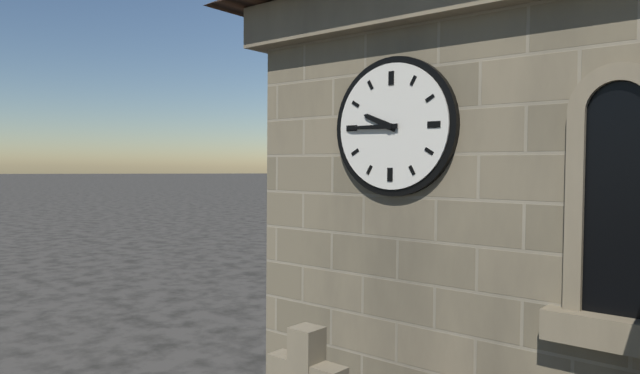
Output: 9h45
